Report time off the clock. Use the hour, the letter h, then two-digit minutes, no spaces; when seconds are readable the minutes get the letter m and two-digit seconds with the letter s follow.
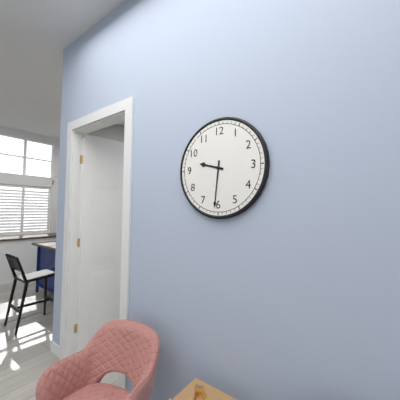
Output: 9h31
